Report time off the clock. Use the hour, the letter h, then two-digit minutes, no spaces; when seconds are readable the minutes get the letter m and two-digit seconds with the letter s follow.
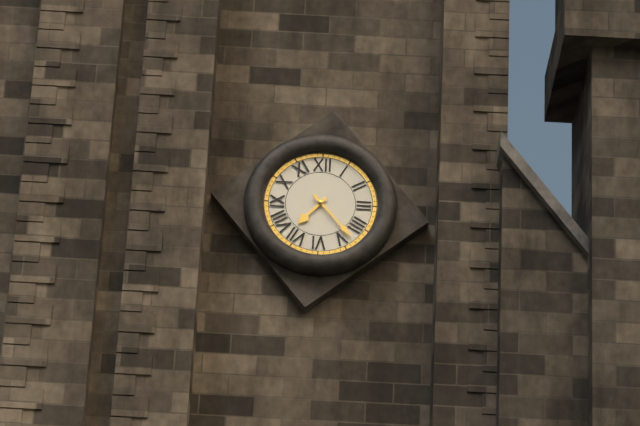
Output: 7h23
